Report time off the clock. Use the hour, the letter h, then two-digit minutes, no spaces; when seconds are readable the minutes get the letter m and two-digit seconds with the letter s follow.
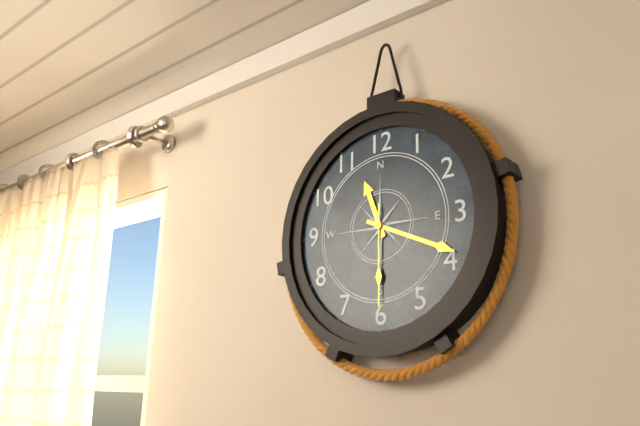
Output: 11h19m30s
